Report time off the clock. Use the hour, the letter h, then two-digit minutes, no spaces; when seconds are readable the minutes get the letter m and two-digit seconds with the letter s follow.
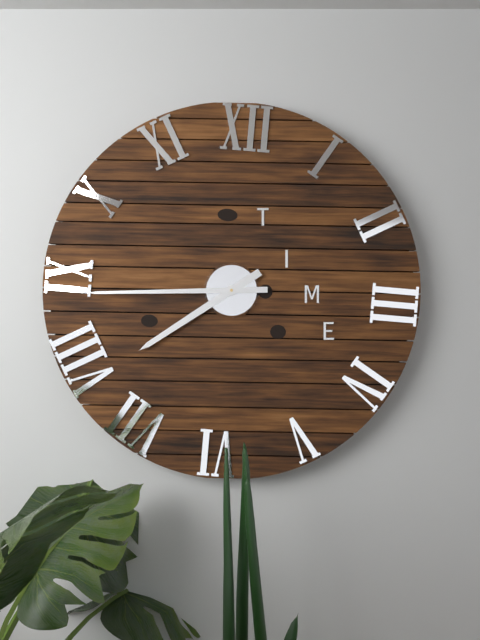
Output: 7h44
